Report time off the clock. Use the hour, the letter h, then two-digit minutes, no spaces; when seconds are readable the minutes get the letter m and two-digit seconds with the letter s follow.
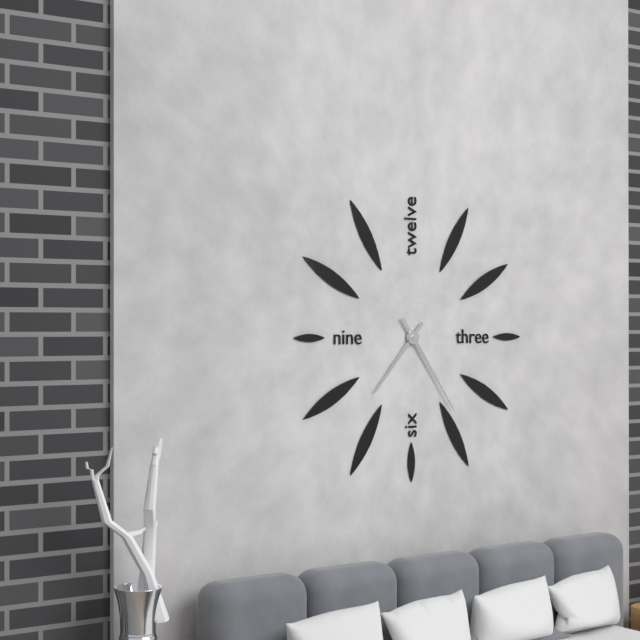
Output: 7h24
